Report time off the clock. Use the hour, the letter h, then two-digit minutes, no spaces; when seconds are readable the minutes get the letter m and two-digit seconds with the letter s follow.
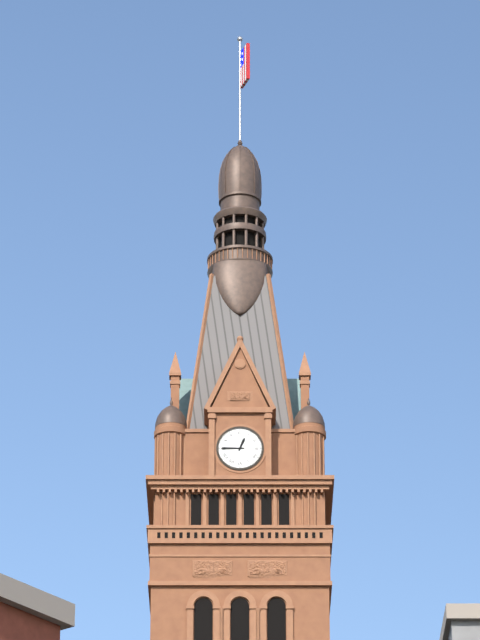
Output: 12h45
